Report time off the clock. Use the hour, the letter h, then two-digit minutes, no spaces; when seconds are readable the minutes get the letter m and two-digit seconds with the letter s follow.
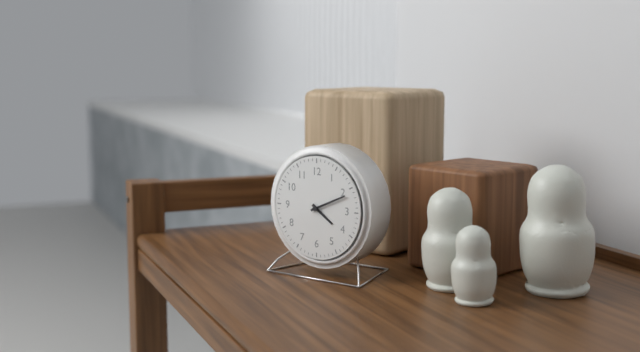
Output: 4h11
